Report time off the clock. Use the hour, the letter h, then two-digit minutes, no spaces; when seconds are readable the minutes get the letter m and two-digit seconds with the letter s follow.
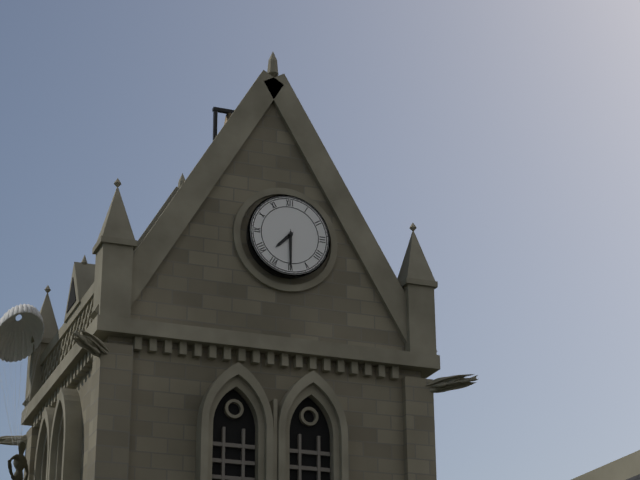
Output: 7h30
